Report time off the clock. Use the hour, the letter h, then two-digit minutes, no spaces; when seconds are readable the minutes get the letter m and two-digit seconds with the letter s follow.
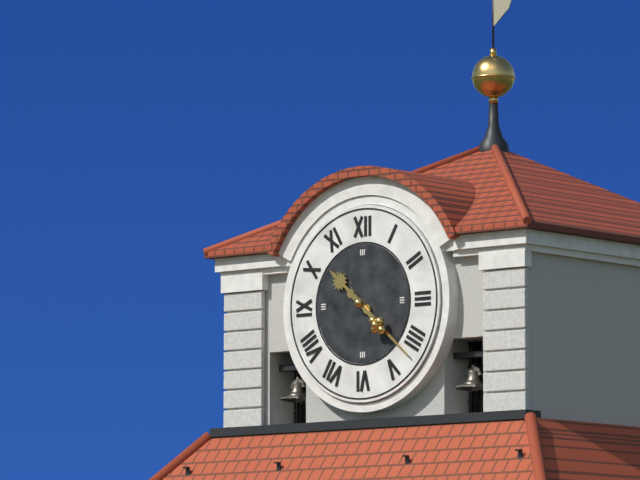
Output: 10h22
